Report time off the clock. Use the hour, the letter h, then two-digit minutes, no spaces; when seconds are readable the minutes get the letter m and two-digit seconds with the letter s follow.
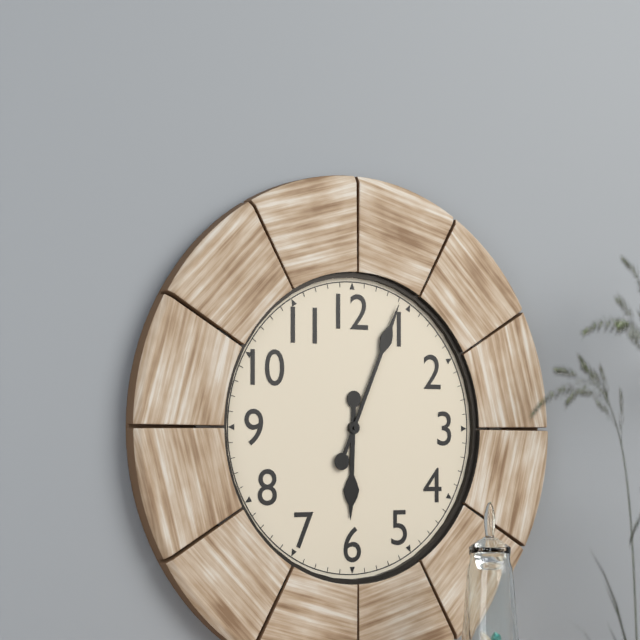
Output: 6h04
